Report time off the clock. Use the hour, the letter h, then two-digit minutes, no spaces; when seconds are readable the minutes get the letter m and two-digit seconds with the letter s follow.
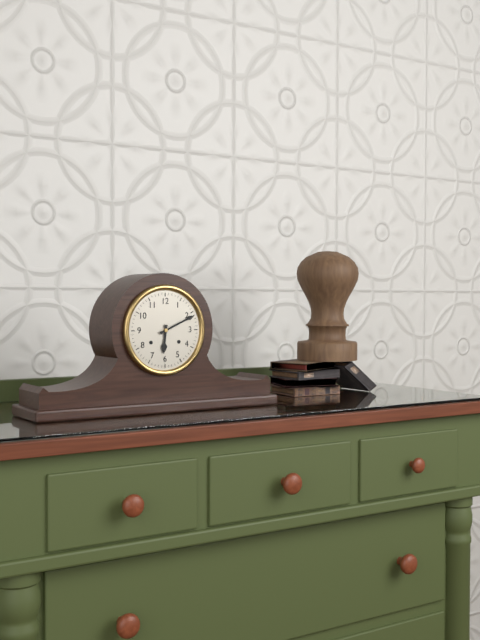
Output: 6h11
